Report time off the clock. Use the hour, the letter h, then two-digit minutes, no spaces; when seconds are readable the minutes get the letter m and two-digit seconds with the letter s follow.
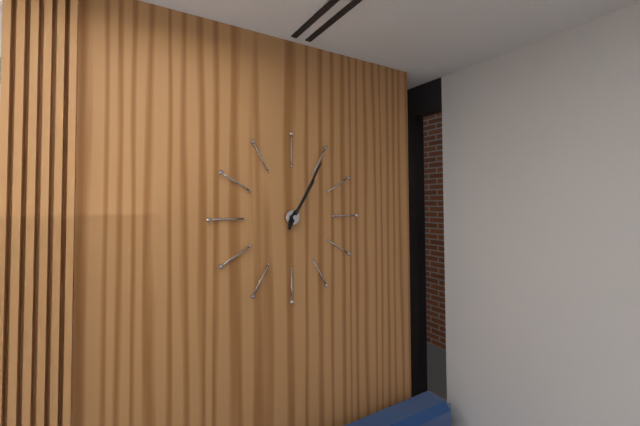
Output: 1h05
